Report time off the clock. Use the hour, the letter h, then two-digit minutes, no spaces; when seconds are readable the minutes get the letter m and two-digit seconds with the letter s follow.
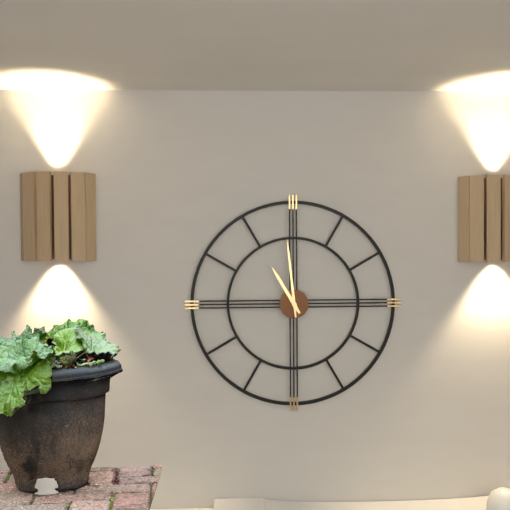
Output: 10h59
